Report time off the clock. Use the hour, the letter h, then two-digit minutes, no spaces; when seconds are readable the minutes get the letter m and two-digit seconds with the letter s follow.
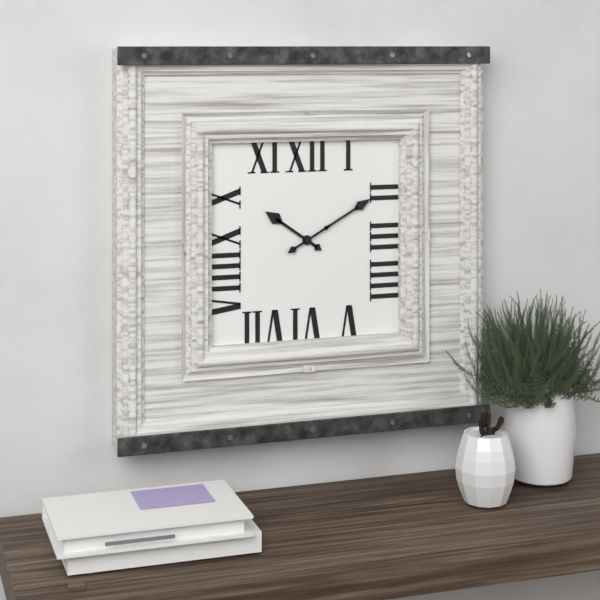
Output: 10h10
